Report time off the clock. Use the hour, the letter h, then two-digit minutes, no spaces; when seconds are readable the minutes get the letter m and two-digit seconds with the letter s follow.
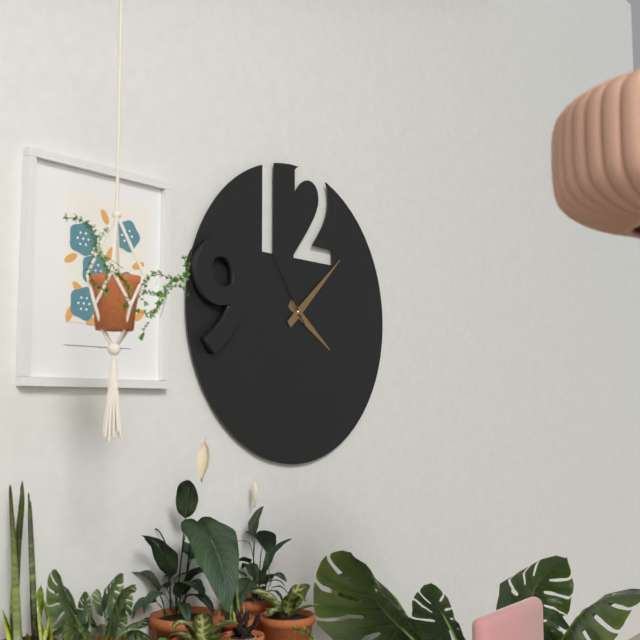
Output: 4h08m54s
